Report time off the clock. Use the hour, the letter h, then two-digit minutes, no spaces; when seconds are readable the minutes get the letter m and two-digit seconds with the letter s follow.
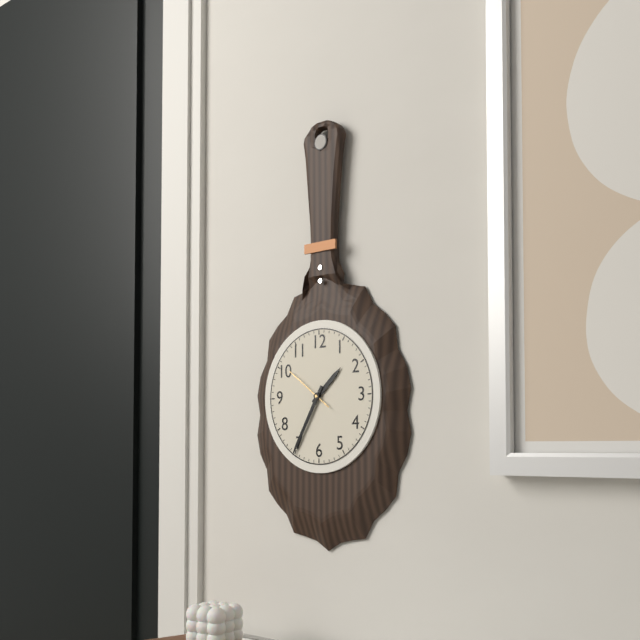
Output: 1h35
